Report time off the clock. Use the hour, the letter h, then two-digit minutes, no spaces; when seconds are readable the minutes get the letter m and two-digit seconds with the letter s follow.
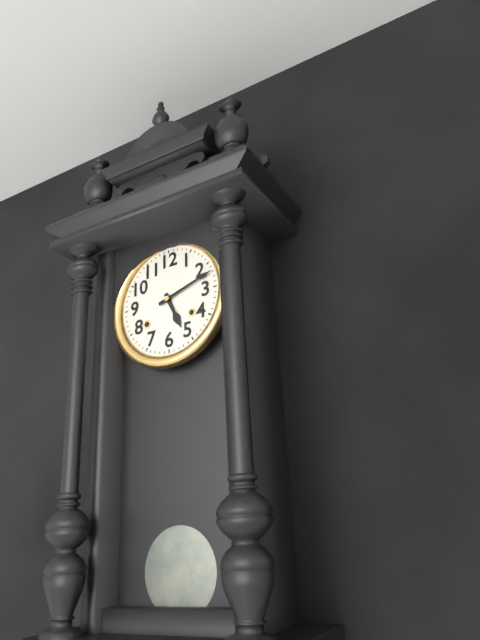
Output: 5h12
